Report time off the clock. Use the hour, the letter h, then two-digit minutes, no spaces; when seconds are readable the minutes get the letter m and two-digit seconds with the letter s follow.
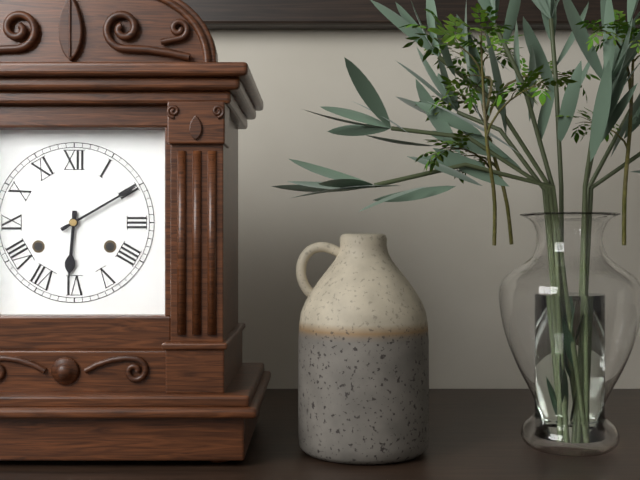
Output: 6h10
